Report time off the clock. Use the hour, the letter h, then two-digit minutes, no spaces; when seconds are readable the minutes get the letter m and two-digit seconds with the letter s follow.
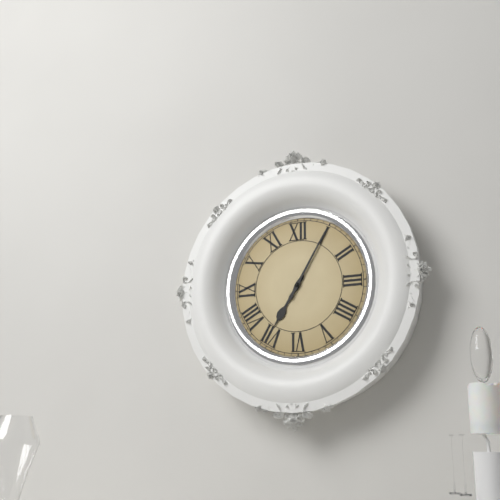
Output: 7h05
